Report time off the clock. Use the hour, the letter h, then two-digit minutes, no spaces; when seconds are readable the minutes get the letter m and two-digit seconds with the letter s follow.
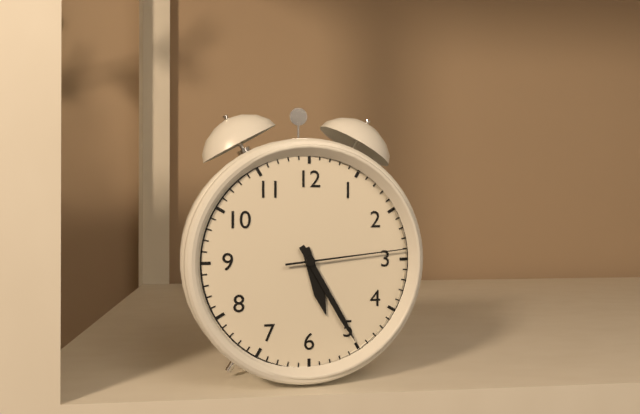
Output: 5h25m14s
